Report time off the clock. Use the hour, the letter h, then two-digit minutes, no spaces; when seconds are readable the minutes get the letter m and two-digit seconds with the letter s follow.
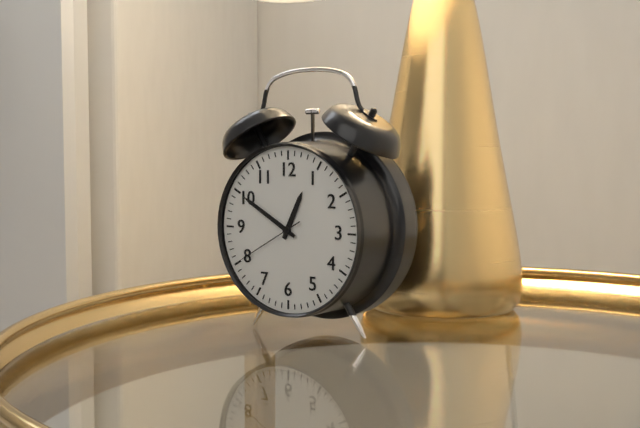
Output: 12h50m40s
